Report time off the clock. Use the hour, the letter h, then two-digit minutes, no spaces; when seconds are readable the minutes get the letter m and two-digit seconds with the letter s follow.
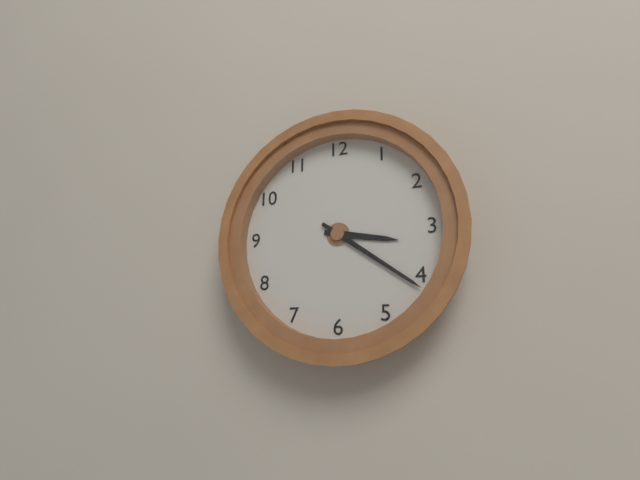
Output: 3h21
